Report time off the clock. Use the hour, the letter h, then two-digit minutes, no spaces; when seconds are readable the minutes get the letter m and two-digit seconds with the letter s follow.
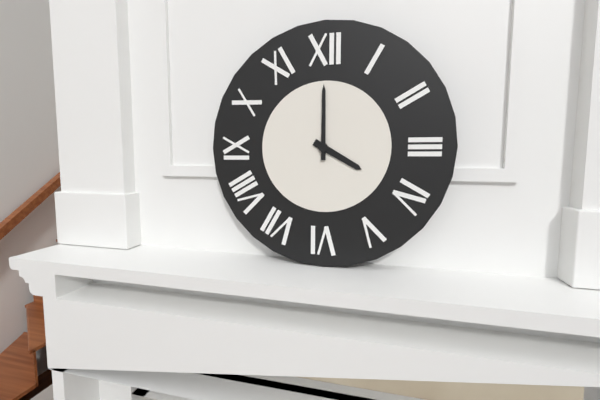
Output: 4h00
